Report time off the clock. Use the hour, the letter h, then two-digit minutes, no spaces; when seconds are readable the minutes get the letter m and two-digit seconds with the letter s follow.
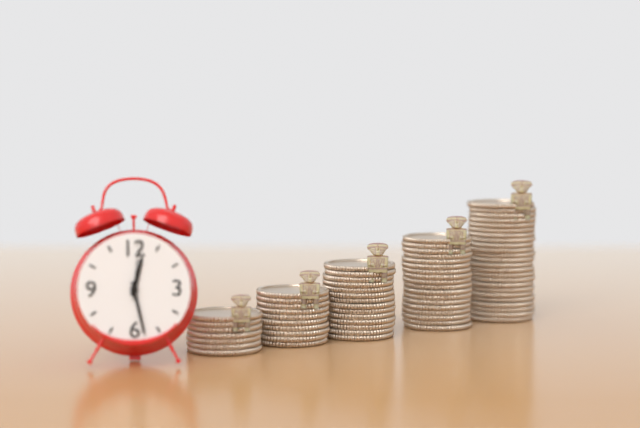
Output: 12h28m01s
